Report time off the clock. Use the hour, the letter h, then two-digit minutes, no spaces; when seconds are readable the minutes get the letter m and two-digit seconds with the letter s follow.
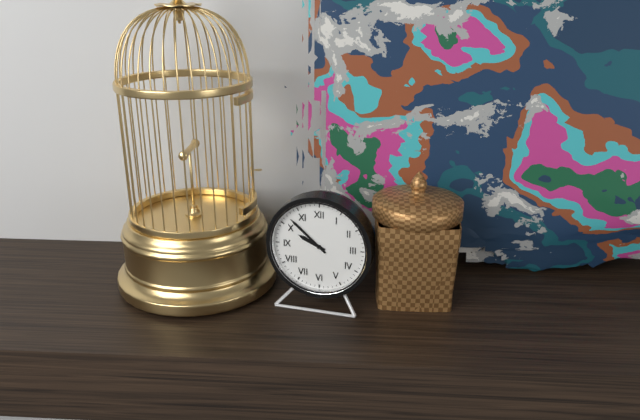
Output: 9h52
